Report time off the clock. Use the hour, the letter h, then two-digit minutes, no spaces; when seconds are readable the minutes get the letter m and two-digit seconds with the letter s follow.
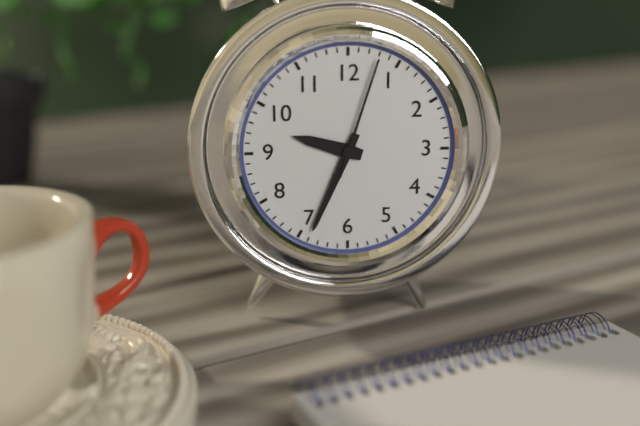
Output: 9h34m03s
